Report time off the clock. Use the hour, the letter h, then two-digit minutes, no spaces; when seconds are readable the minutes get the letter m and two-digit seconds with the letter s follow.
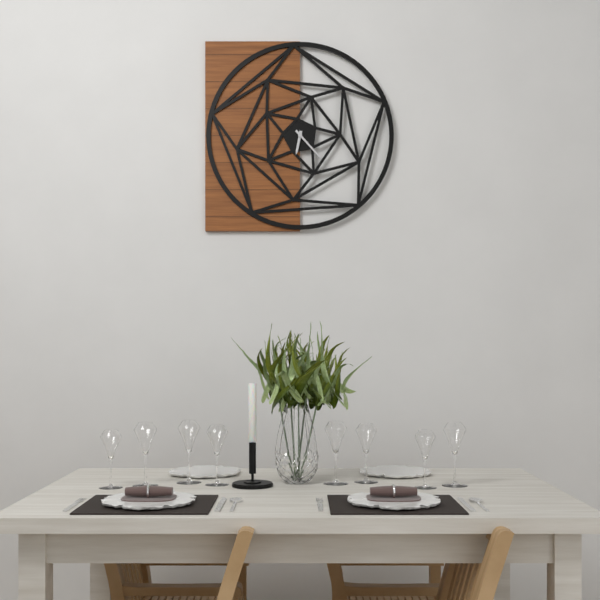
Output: 6h23
